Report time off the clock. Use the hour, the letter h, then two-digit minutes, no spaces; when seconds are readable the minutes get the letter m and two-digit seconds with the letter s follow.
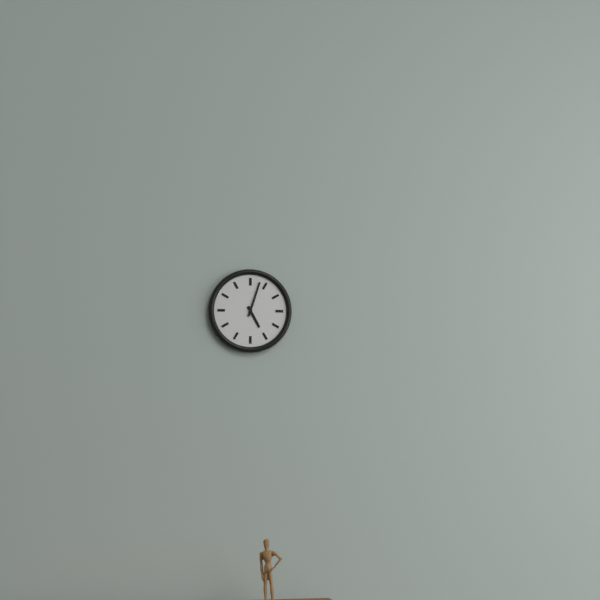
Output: 5h03
